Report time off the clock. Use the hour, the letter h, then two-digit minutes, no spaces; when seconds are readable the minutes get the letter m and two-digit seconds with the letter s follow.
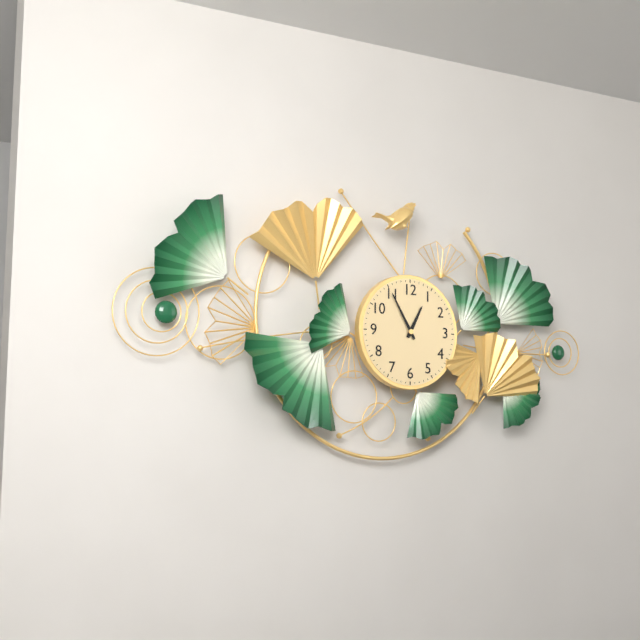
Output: 12h55
